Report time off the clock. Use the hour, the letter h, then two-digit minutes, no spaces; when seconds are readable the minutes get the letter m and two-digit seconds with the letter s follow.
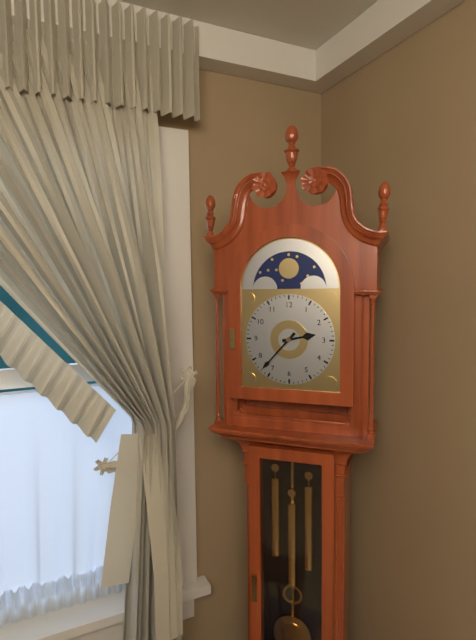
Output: 2h37
